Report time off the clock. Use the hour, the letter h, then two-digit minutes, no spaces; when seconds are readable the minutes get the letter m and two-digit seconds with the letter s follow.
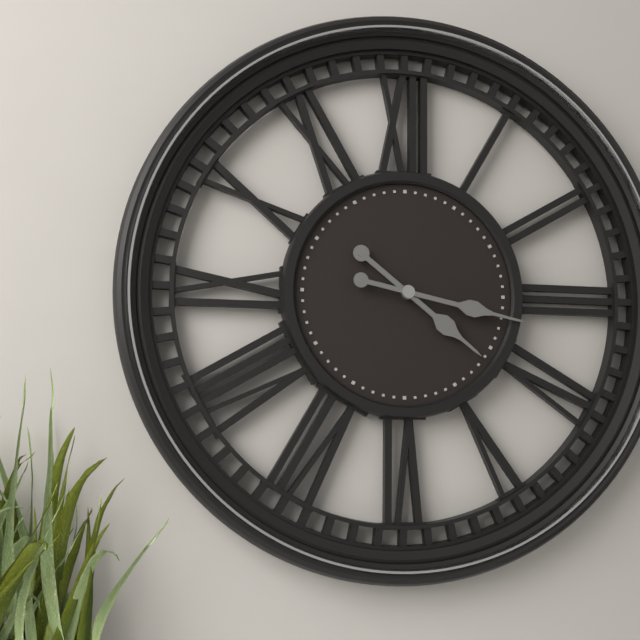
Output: 4h17
